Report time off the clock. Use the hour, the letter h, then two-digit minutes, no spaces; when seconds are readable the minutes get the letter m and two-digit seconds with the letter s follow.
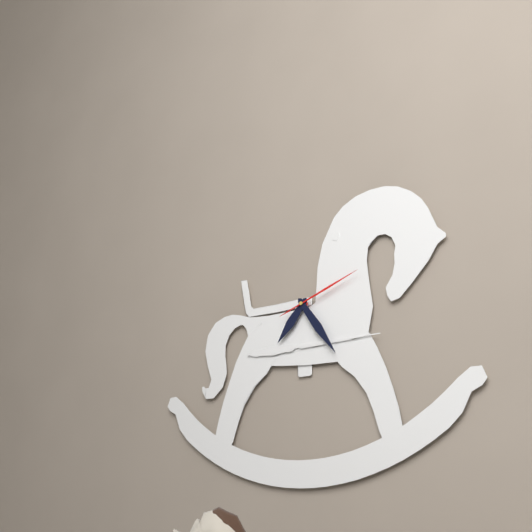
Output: 7h24m12s
